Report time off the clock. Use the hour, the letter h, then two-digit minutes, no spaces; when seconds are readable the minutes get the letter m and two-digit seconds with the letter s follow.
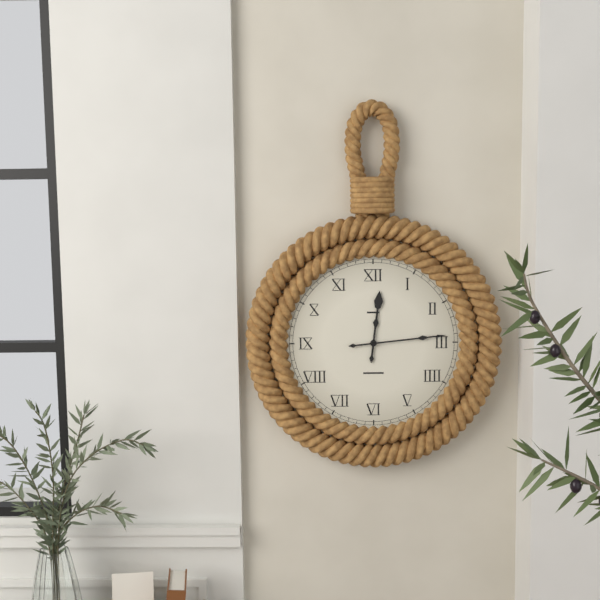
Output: 12h14
